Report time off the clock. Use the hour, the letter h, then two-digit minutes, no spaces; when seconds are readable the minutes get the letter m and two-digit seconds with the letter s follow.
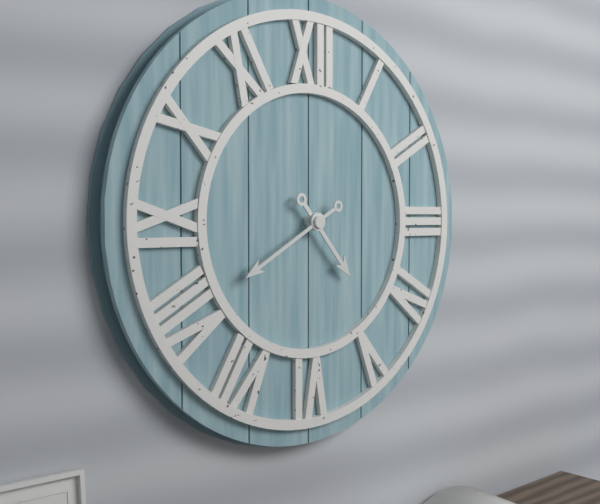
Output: 4h40
